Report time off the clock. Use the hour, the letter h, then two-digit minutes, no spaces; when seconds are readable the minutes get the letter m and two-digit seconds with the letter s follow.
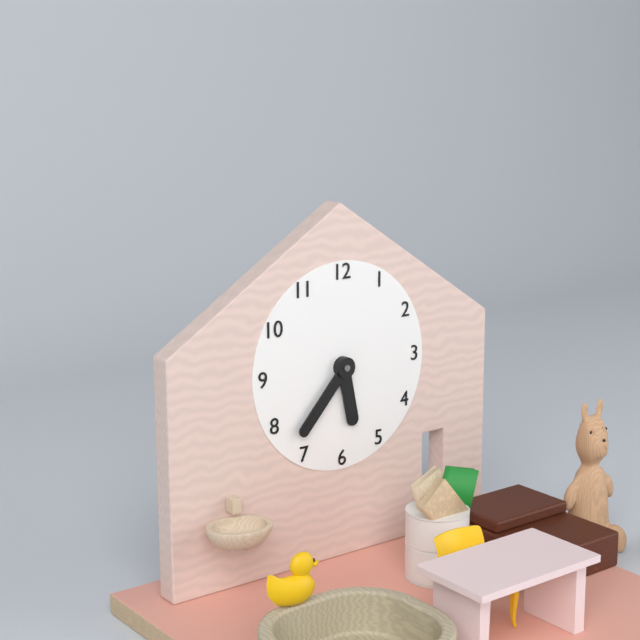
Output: 5h37
